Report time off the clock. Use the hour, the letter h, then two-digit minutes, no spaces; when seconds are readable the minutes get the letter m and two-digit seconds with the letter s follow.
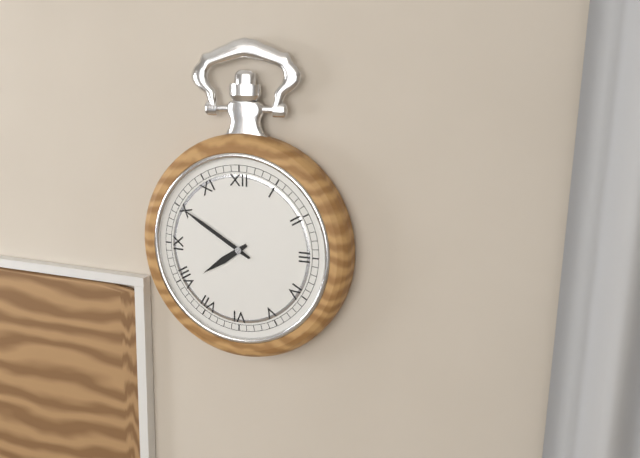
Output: 7h50
